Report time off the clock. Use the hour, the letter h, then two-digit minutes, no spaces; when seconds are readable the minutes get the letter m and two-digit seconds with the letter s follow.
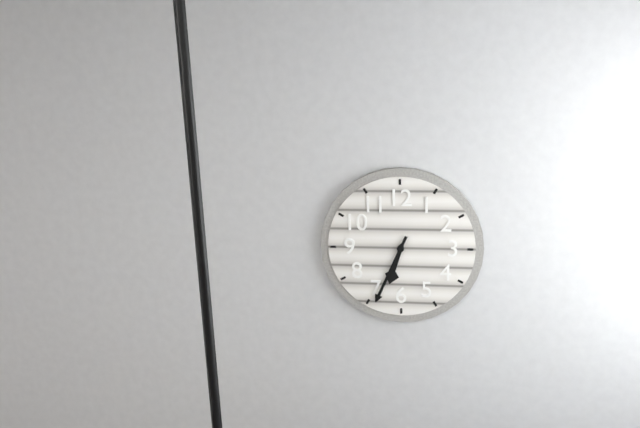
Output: 6h34
